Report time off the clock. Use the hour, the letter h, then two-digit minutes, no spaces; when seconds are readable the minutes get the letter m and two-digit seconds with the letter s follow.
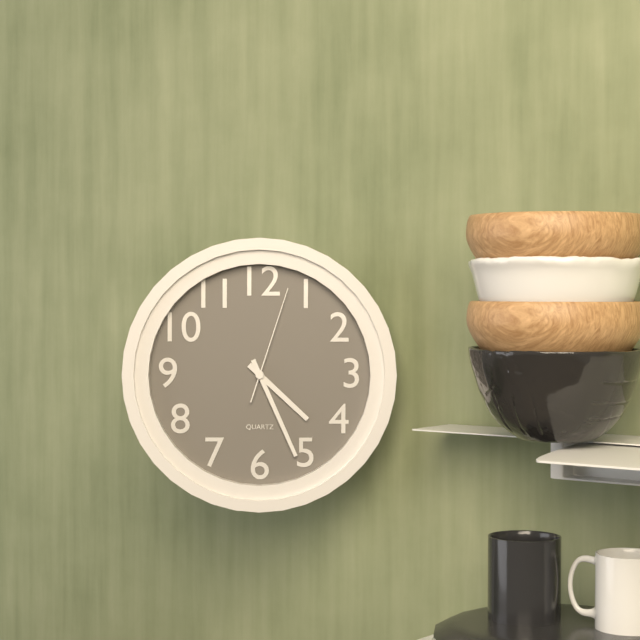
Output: 4h26m03s
